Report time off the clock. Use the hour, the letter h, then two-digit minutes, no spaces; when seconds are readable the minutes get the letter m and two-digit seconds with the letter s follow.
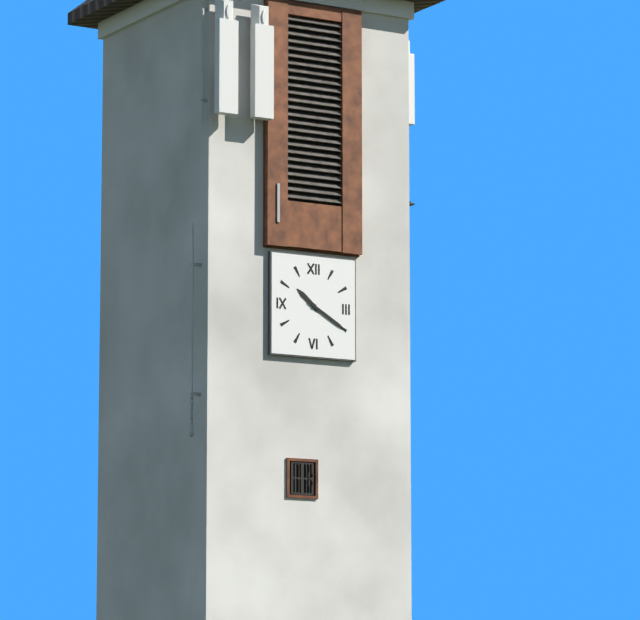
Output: 10h20
